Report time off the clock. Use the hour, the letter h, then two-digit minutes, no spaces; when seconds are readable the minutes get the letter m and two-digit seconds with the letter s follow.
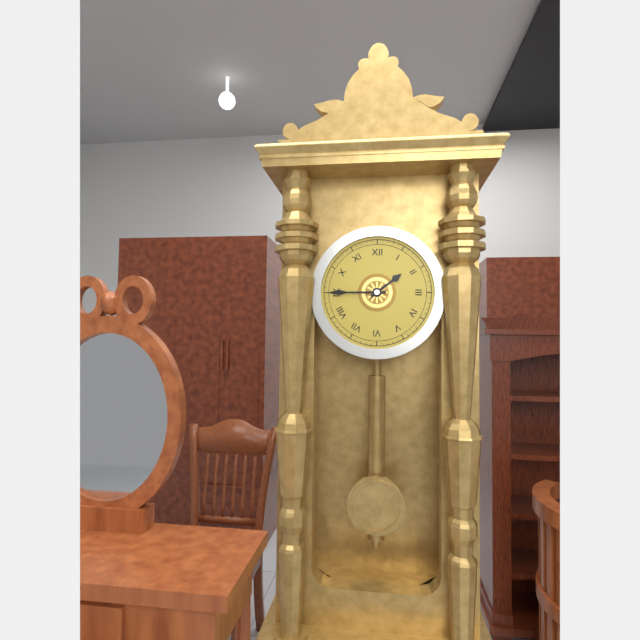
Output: 1h45
